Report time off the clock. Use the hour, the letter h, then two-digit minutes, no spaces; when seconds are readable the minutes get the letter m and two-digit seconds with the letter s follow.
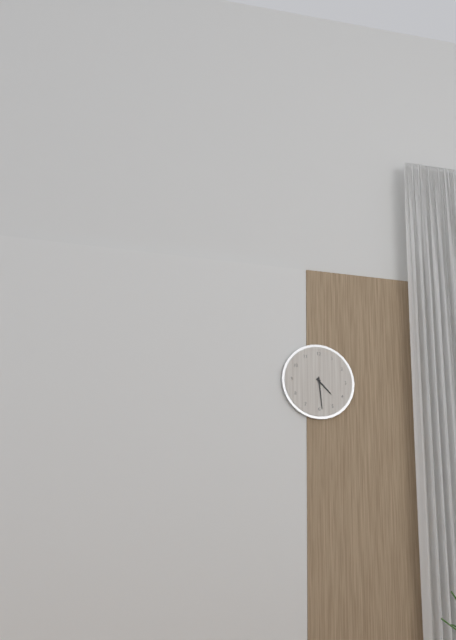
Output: 4h29
